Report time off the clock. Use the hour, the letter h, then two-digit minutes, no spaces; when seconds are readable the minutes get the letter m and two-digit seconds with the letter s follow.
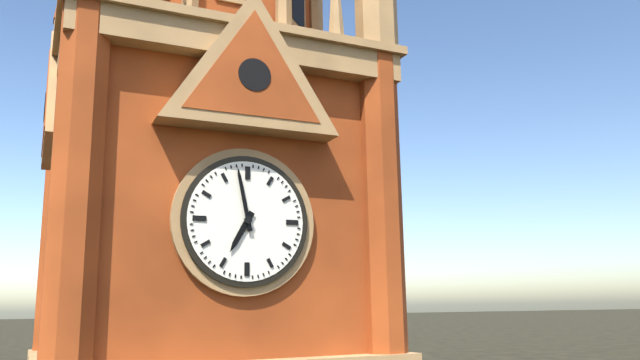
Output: 6h58
